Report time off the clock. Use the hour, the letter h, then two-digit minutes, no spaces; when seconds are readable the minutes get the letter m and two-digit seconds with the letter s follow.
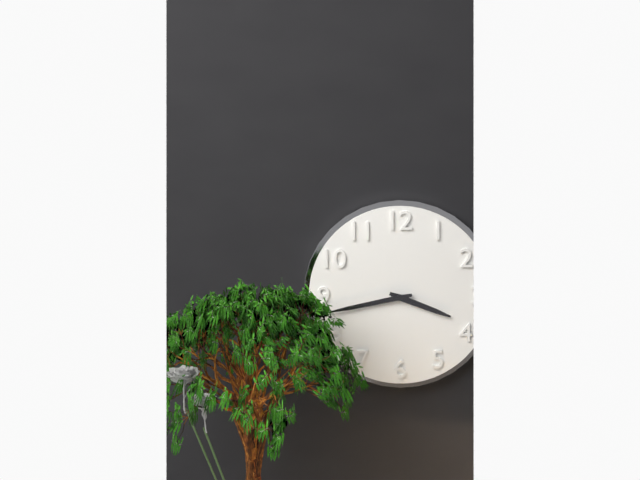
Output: 3h43
